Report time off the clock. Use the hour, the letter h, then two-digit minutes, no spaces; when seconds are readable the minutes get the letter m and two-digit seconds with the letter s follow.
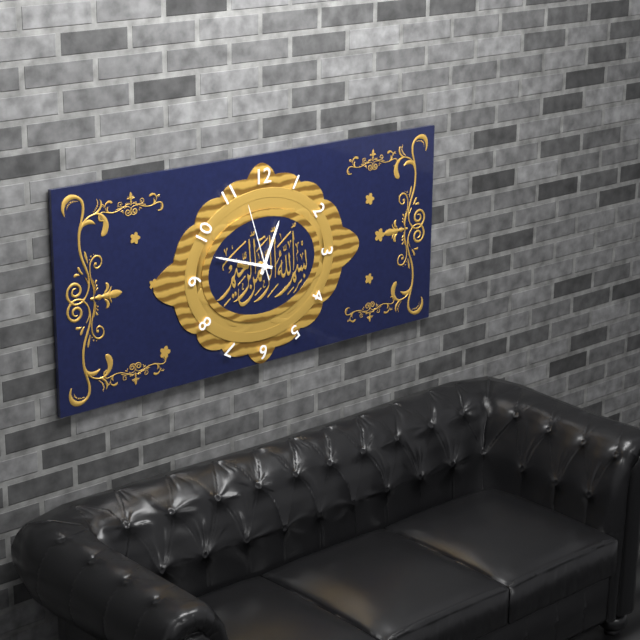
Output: 12h48m57s
